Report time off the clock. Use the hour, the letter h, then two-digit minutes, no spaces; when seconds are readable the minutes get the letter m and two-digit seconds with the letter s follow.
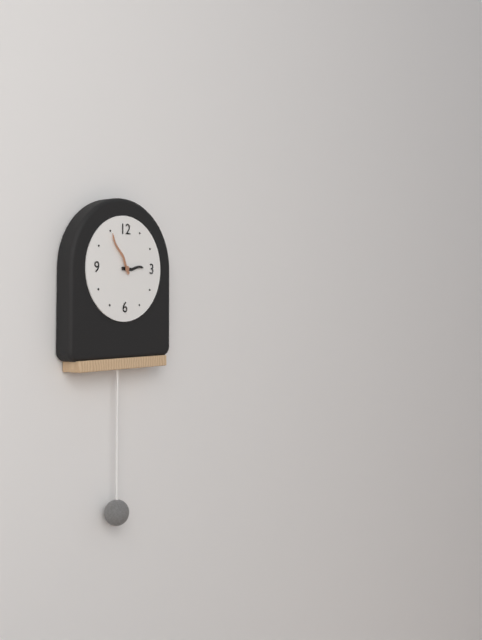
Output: 2h55
